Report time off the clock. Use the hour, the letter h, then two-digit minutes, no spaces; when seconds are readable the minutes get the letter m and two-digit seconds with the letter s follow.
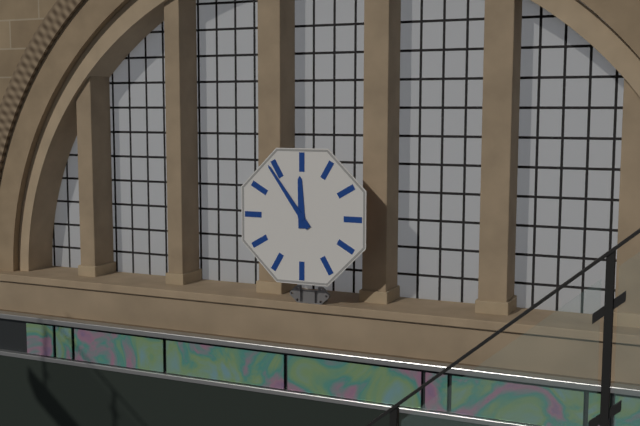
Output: 11h54
